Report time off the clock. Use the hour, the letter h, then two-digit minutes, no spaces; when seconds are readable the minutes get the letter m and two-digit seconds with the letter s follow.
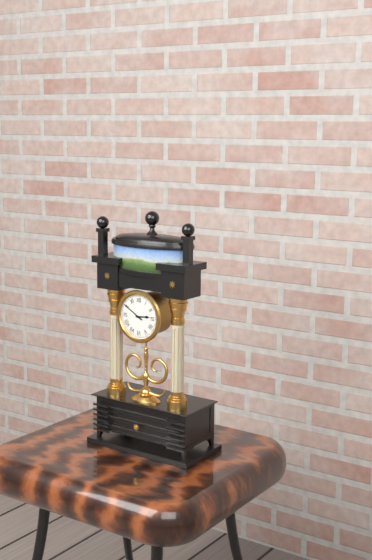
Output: 2h50
